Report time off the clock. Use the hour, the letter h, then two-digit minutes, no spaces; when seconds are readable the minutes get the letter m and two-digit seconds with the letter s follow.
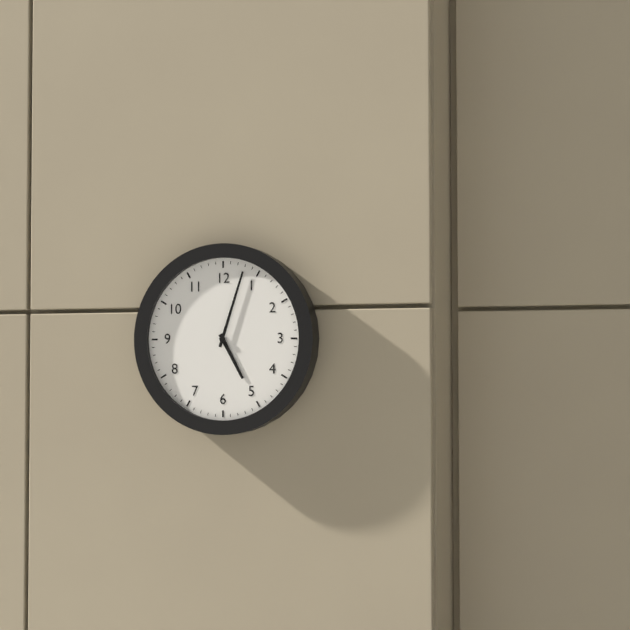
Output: 5h03
